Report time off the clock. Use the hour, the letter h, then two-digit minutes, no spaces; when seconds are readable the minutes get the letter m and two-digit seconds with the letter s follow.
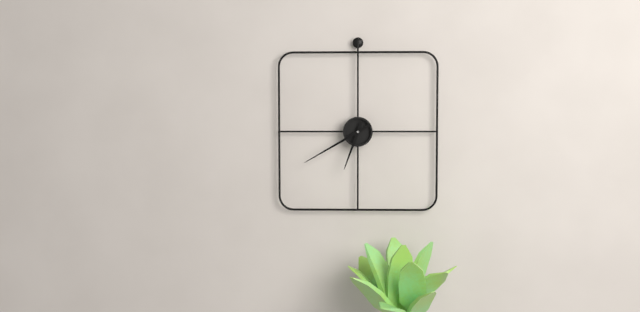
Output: 6h40
